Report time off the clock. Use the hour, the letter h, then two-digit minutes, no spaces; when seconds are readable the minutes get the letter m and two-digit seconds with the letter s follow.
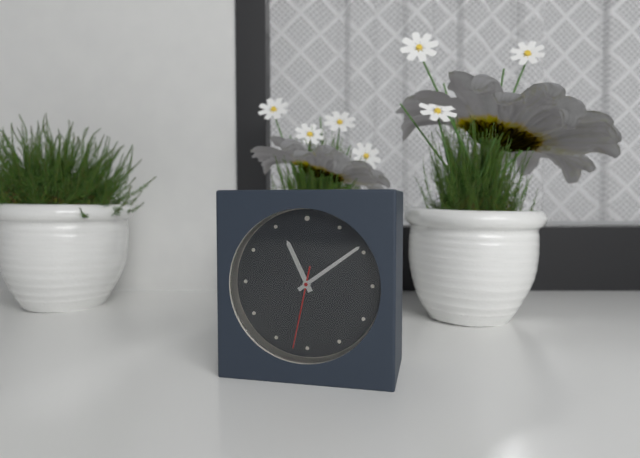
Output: 11h09m32s
